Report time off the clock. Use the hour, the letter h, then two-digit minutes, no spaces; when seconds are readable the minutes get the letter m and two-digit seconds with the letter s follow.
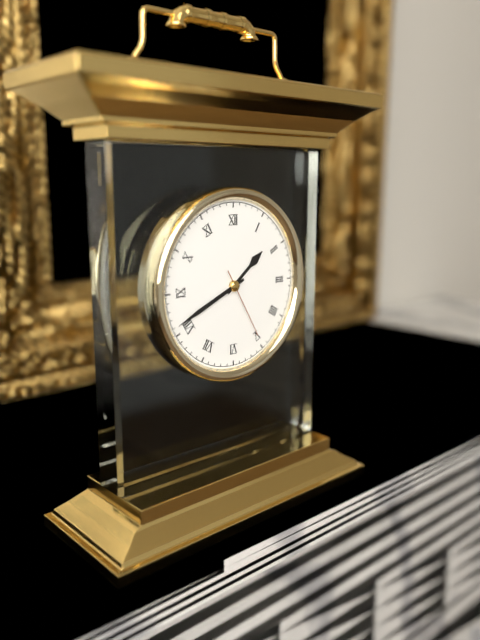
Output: 1h41m25s
